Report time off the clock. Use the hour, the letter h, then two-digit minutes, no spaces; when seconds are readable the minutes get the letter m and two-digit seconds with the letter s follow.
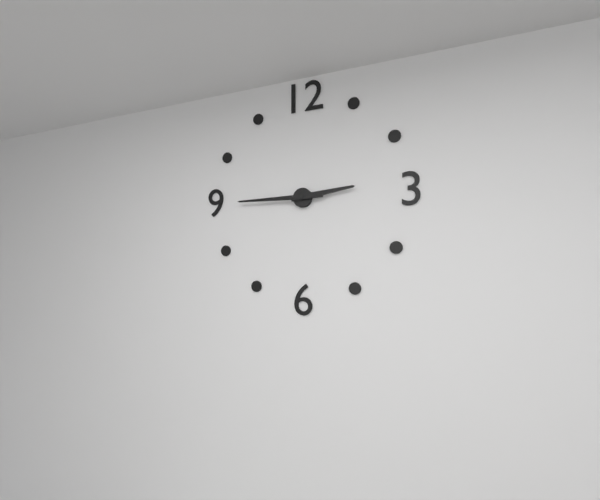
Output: 2h45
